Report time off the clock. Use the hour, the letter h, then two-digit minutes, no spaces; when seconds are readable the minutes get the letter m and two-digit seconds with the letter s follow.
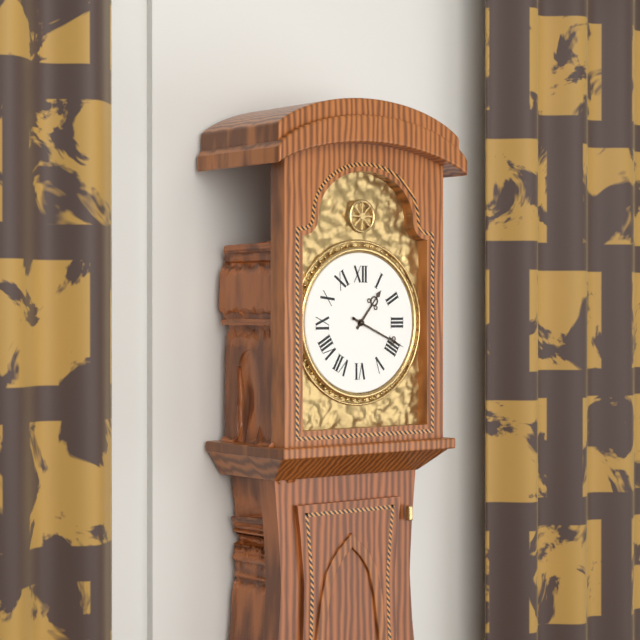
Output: 1h19
